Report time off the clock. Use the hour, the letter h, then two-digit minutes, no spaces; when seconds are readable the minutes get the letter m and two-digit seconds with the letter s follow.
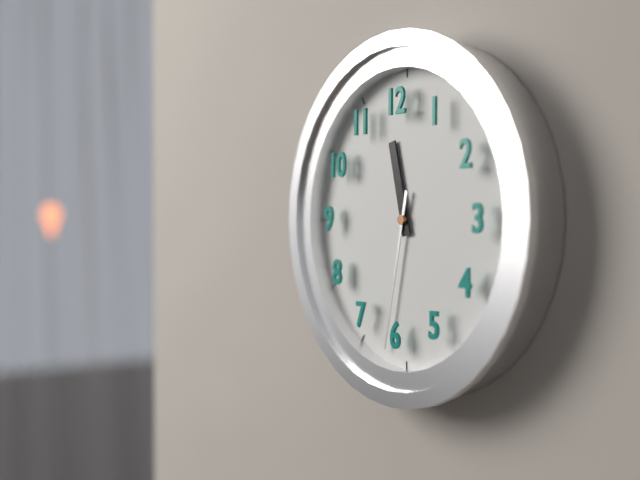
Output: 11h32
